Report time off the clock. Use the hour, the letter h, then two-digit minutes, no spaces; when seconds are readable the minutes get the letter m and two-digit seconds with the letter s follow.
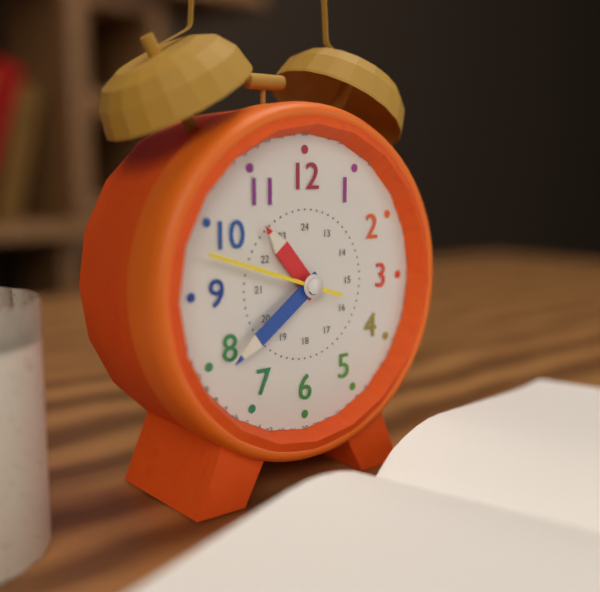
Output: 10h39m48s
